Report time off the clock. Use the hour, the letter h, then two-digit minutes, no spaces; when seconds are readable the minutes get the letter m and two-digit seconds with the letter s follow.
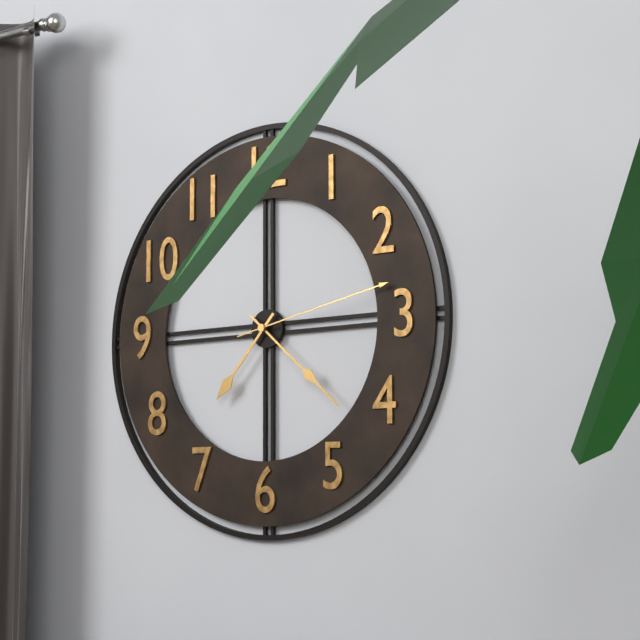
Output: 7h22m13s
